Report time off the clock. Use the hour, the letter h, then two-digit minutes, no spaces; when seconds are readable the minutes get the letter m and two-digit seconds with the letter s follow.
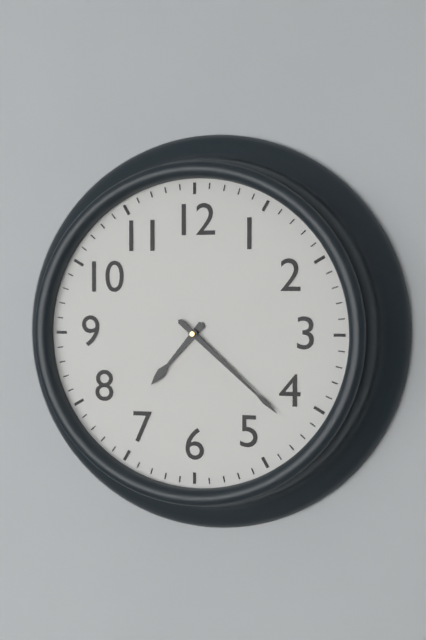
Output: 7h22
